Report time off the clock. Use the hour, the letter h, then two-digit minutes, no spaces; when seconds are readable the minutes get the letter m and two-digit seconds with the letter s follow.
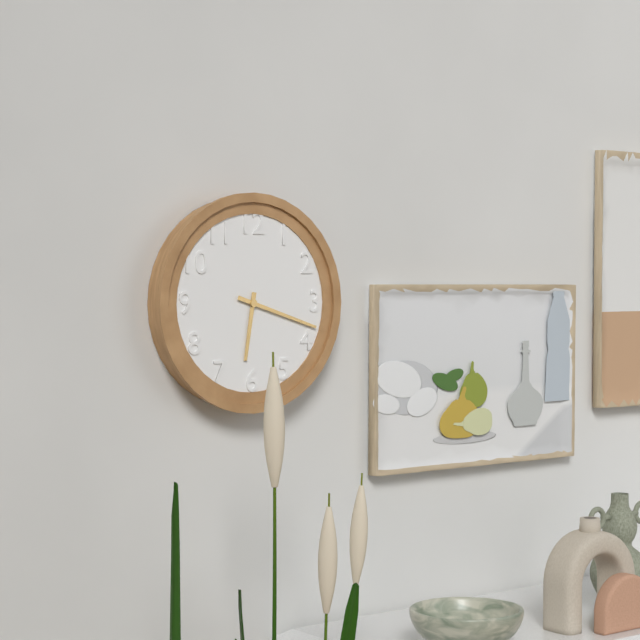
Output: 6h18
